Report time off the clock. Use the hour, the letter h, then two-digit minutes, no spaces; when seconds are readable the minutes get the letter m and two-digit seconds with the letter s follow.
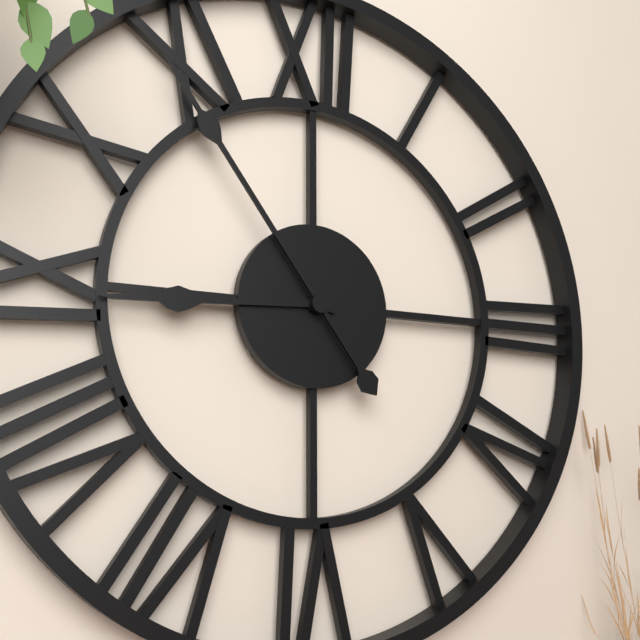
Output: 8h54
